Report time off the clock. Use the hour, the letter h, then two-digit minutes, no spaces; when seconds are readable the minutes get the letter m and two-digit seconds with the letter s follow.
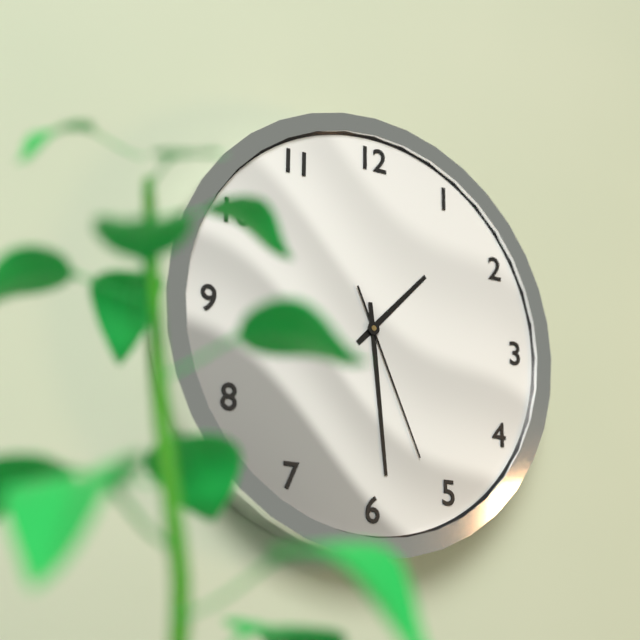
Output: 1h29m26s
